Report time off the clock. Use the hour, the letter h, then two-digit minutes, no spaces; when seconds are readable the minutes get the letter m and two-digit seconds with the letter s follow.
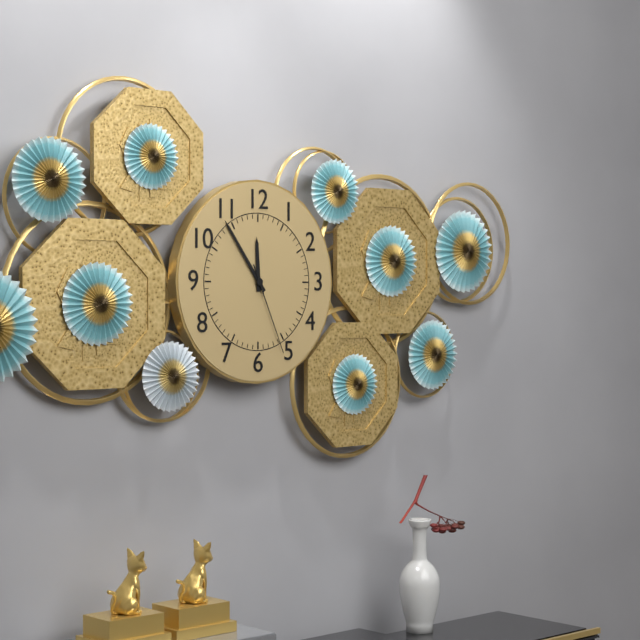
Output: 11h54m26s
